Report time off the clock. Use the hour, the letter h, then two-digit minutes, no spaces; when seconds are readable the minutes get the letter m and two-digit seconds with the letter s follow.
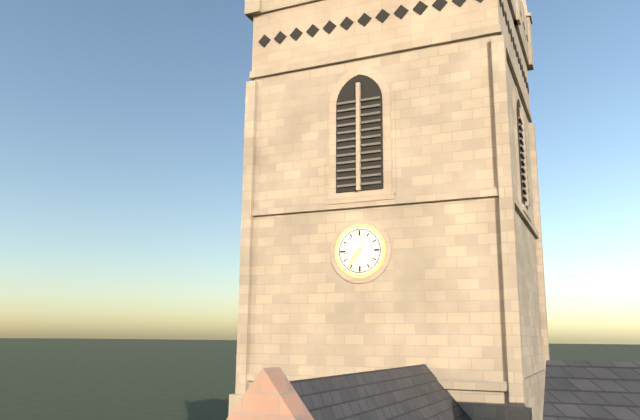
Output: 7h36
